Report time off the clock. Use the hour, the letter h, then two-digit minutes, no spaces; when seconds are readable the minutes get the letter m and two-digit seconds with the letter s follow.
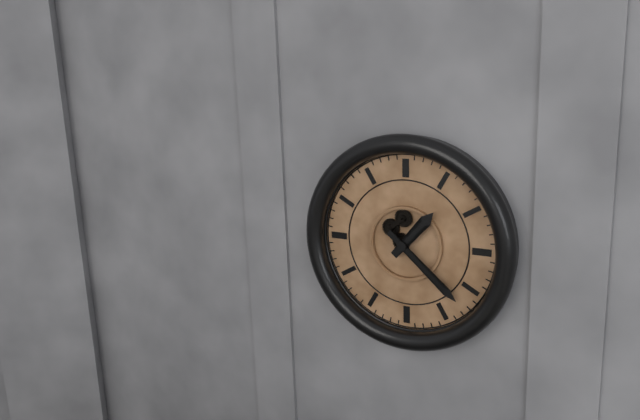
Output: 1h22
